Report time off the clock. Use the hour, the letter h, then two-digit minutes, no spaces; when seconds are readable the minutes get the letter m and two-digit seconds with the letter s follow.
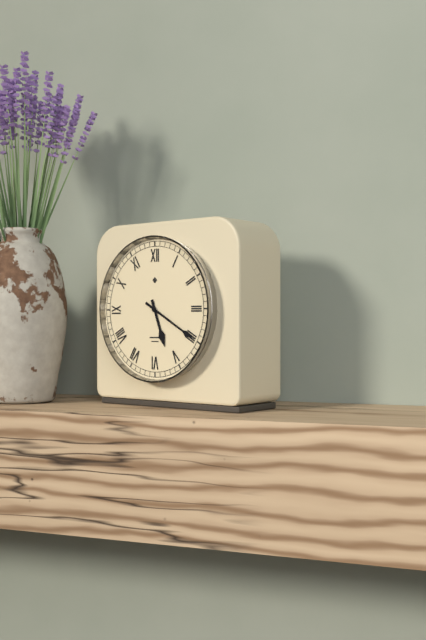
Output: 5h20
